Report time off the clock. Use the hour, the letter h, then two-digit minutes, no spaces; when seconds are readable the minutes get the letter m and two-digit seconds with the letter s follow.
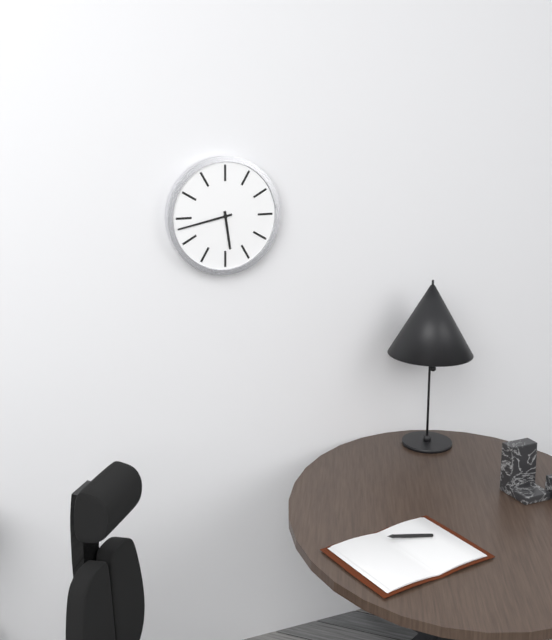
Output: 5h43
